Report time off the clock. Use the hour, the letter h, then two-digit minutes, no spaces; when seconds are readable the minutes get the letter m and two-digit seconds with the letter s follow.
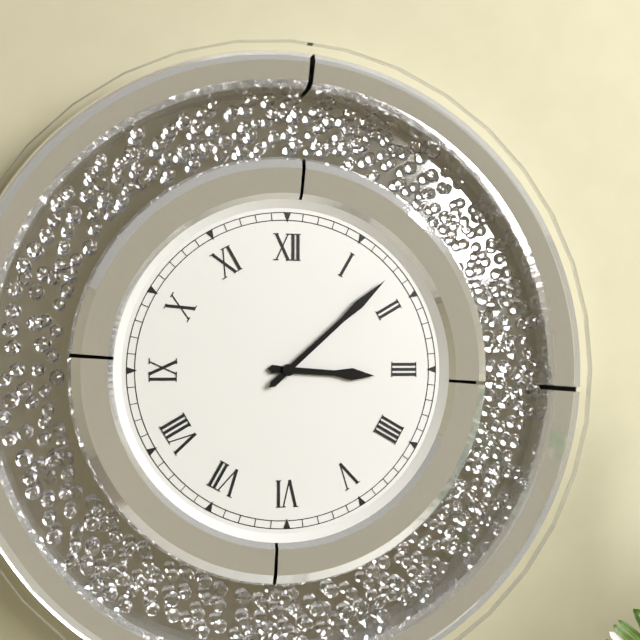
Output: 3h08
